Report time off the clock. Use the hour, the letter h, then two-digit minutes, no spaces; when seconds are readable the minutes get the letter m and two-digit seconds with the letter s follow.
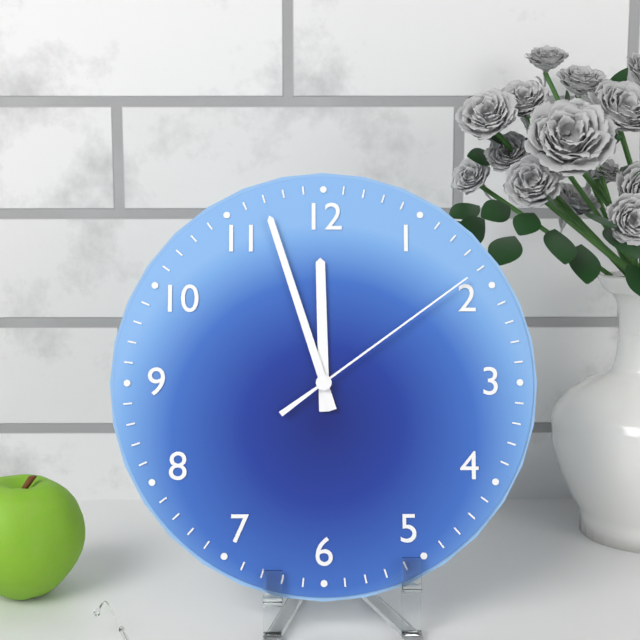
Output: 11h57m09s
